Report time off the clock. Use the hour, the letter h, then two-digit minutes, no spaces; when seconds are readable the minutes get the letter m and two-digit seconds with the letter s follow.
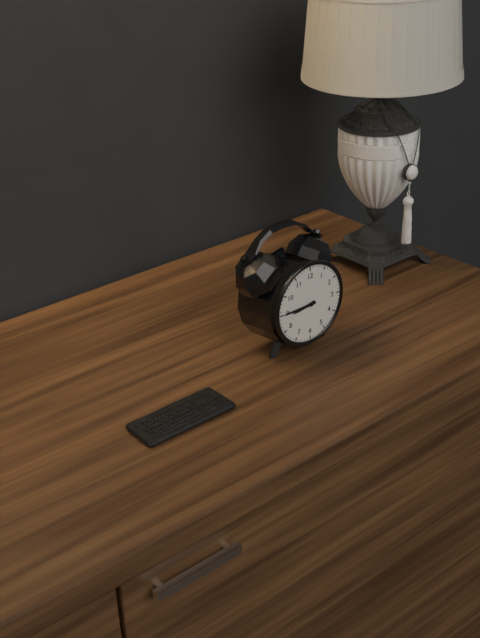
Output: 8h45
